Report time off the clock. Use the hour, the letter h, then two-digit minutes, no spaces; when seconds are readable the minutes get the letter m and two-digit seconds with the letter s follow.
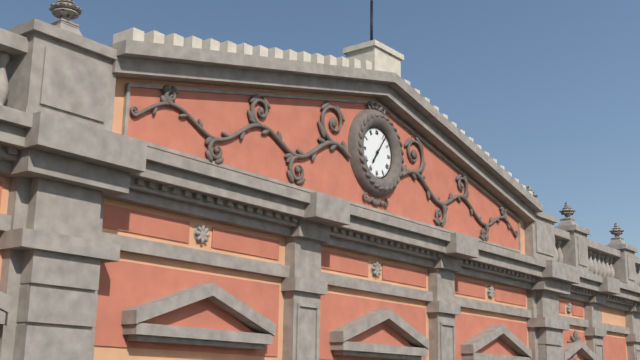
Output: 7h06
